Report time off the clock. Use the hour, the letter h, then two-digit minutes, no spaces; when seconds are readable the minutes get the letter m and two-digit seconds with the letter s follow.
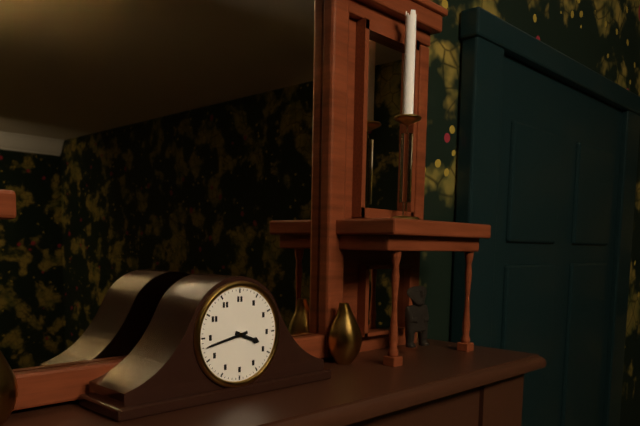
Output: 3h43
